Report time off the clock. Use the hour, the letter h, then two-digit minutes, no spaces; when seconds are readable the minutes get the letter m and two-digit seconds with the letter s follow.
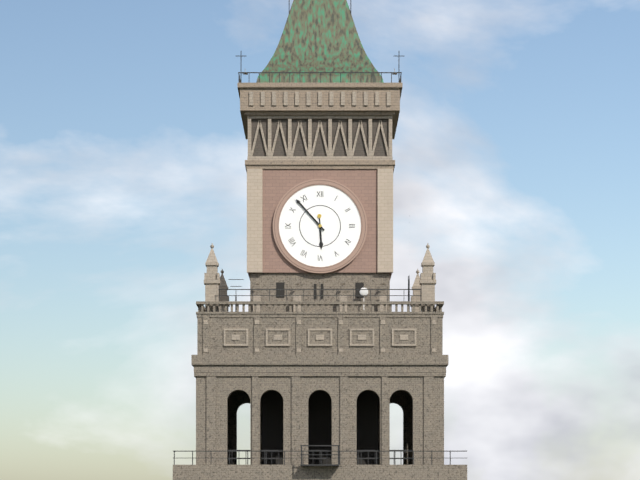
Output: 5h53
